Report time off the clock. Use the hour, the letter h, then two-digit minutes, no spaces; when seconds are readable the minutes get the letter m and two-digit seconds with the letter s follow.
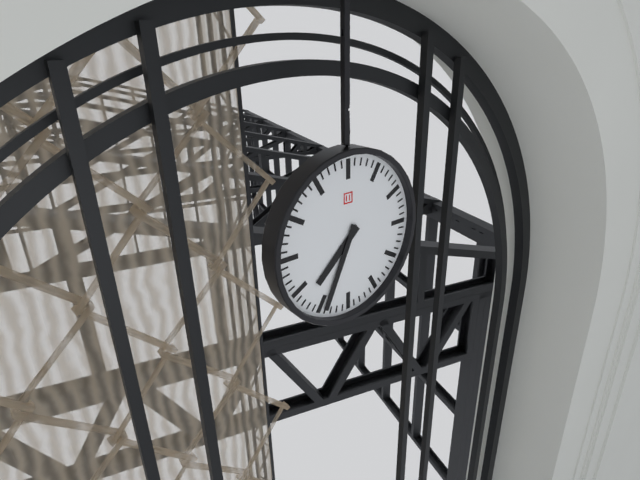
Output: 7h34
